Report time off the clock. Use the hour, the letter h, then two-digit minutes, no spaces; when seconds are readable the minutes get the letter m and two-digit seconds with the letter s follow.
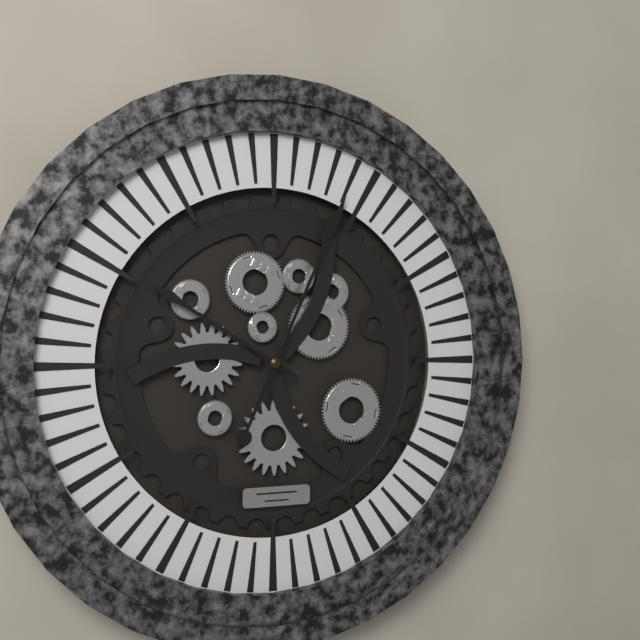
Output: 10h04
